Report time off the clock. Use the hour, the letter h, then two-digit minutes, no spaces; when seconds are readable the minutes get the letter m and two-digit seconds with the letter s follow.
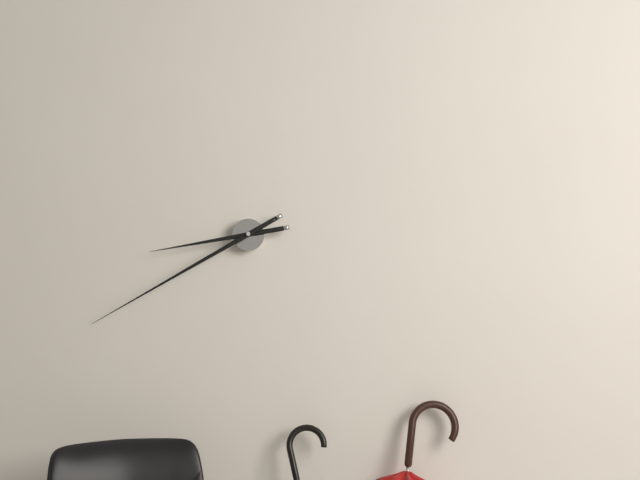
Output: 8h40
